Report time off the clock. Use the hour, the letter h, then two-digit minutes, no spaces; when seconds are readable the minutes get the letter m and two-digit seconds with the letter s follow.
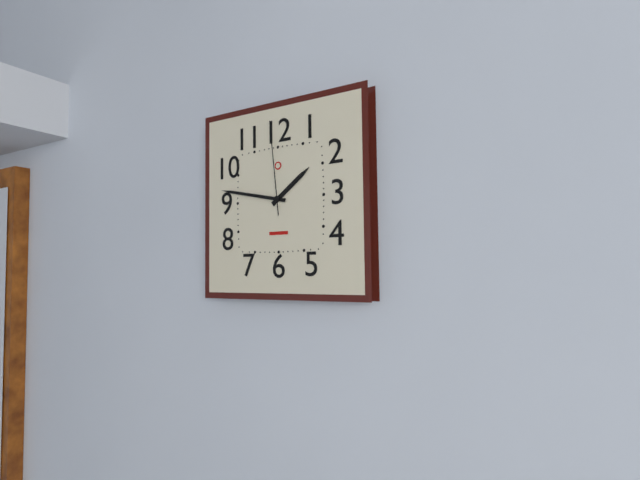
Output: 1h47m59s
